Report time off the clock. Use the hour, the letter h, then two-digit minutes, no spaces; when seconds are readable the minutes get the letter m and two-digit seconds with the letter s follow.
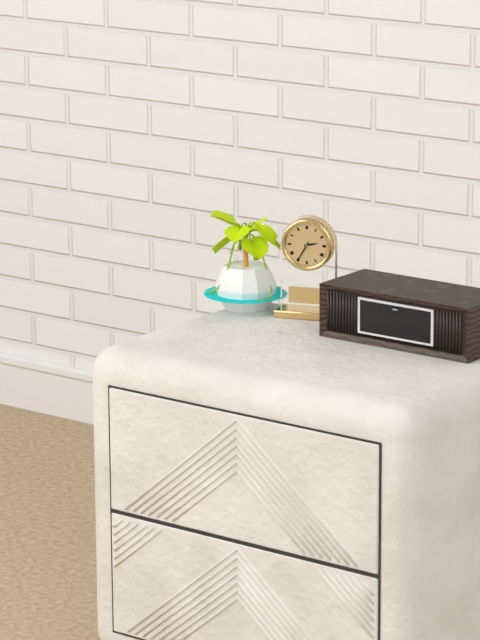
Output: 2h35
